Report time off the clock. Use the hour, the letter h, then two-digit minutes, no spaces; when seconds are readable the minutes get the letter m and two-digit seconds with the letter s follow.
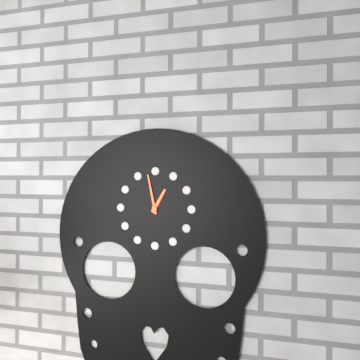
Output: 12h58
